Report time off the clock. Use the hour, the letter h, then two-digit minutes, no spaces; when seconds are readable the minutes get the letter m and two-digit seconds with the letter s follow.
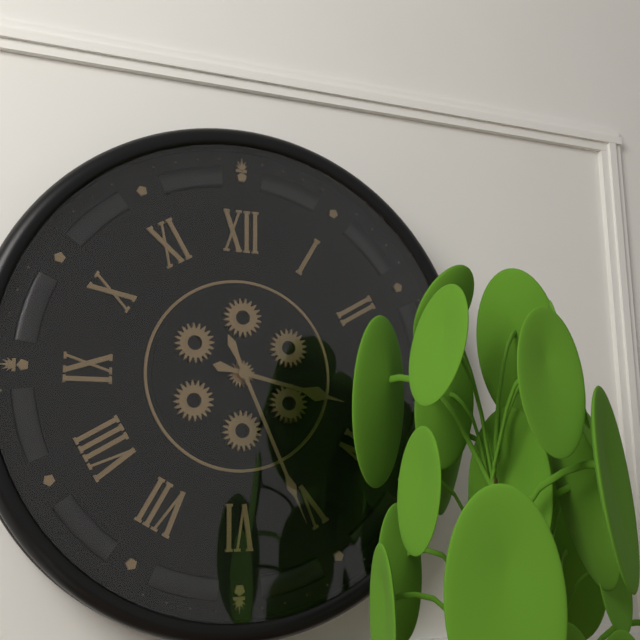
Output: 3h26
